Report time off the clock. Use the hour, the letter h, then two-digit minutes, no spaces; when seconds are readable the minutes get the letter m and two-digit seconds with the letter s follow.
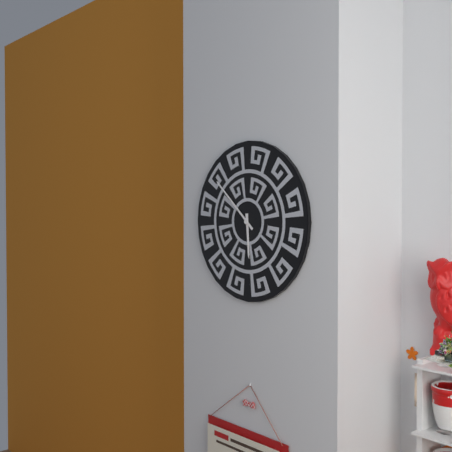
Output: 5h52
